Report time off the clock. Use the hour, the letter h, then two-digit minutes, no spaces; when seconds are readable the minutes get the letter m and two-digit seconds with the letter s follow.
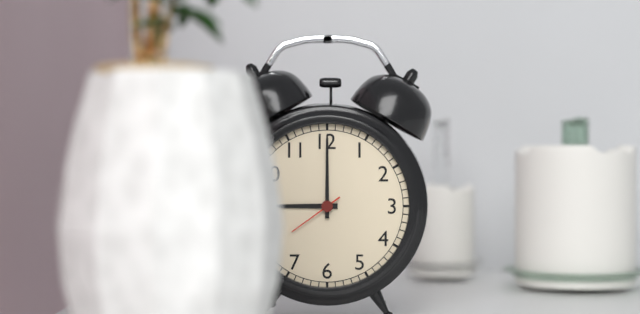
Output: 9h00m39s
